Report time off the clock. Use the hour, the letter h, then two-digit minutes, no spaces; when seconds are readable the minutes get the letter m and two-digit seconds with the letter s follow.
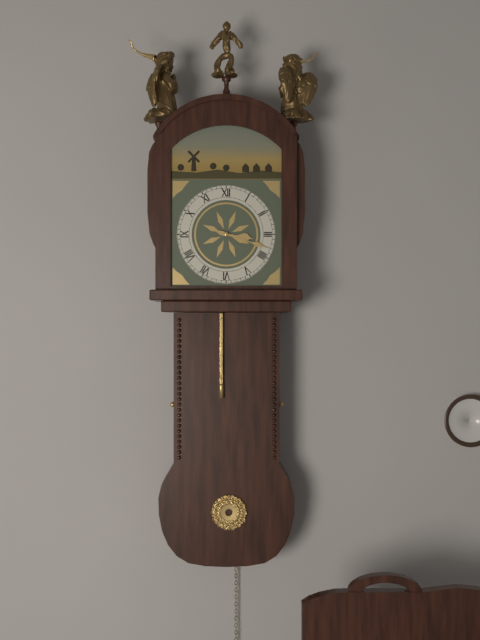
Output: 3h18
